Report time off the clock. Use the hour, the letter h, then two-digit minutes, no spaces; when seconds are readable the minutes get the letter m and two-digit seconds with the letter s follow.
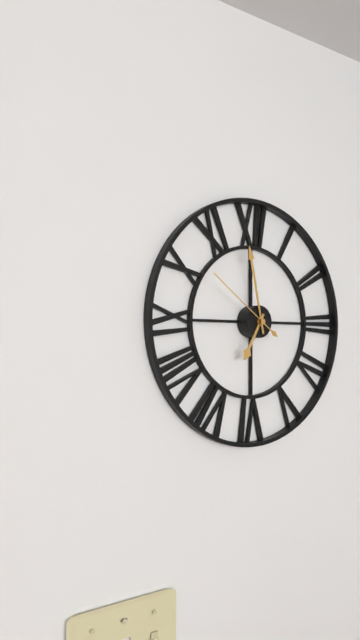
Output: 6h58m51s
